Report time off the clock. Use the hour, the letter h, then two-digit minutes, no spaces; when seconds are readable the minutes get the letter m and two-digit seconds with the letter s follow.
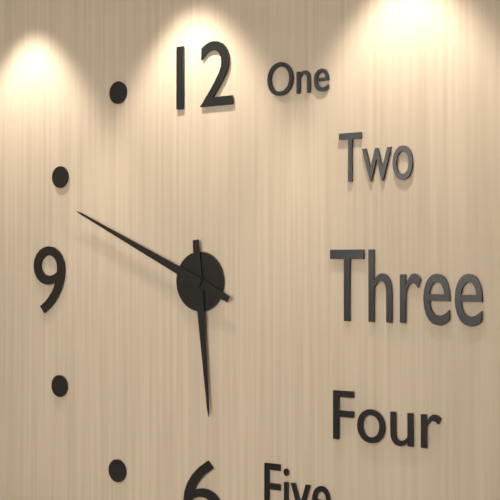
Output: 5h49
